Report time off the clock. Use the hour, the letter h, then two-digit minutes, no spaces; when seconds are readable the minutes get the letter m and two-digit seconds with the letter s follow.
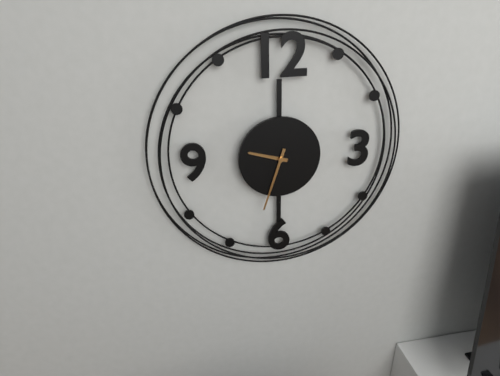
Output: 9h33
